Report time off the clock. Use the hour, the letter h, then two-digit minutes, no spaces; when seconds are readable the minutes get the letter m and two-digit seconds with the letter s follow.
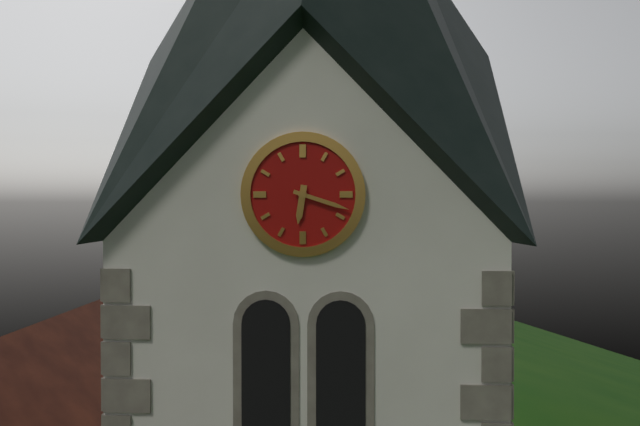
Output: 6h18
